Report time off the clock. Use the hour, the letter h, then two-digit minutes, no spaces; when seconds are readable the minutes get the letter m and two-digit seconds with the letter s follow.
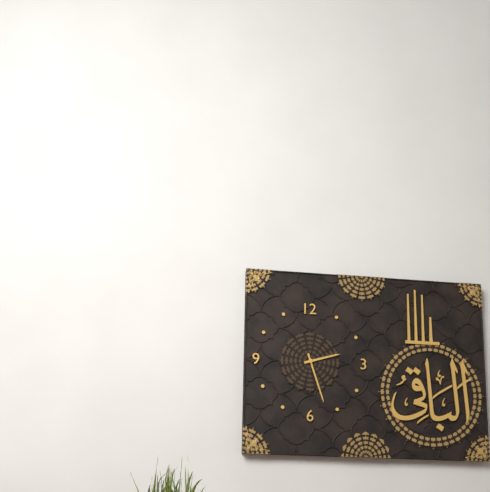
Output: 2h27
